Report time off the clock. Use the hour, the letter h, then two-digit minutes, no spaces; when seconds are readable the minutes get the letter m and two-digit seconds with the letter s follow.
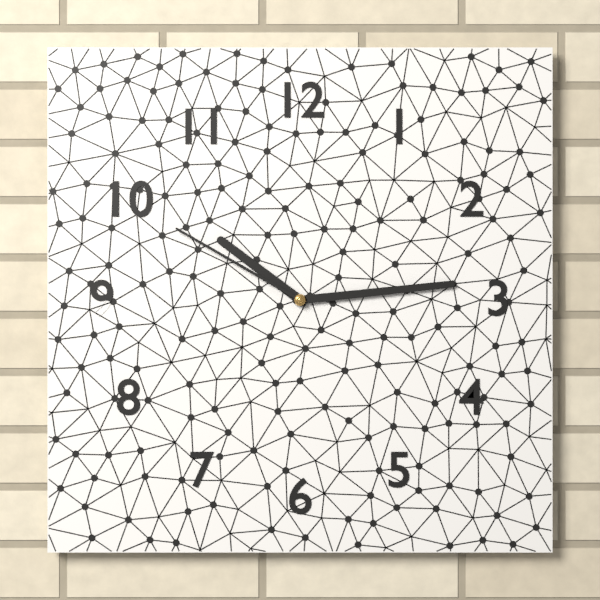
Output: 10h14m50s
